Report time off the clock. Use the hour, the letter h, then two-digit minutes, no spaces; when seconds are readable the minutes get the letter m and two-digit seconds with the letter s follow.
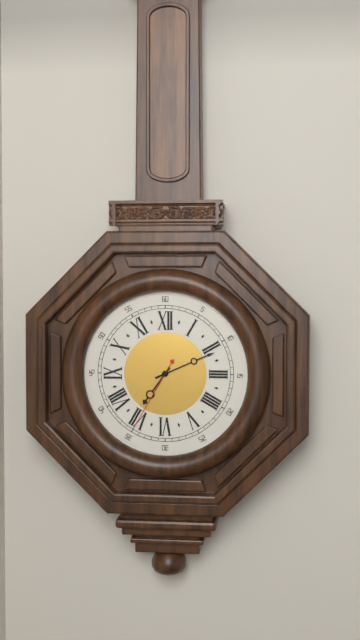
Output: 7h11m35s
